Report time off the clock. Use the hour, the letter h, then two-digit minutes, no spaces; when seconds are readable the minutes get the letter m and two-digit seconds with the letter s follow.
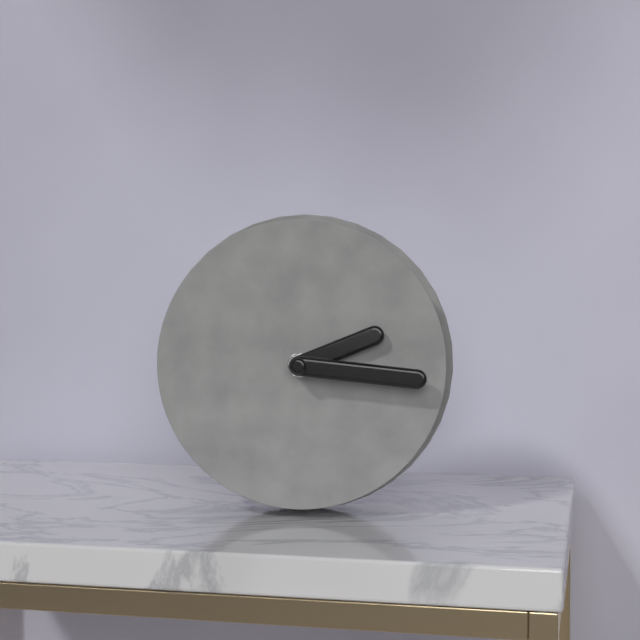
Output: 2h16
